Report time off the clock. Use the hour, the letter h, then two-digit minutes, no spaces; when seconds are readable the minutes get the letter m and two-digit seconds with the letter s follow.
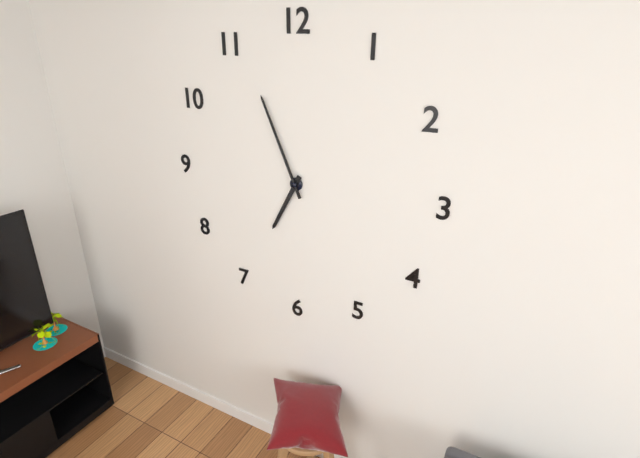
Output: 6h56
